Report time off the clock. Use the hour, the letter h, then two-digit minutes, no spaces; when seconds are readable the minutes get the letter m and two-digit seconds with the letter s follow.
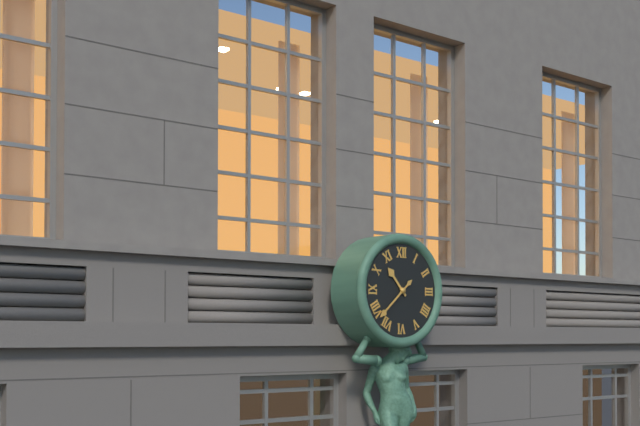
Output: 10h38
